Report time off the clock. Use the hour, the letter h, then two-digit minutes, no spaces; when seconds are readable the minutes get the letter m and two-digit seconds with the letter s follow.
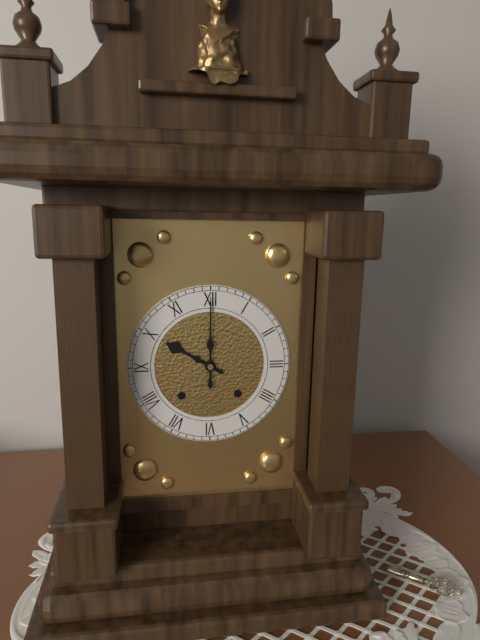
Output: 10h00
